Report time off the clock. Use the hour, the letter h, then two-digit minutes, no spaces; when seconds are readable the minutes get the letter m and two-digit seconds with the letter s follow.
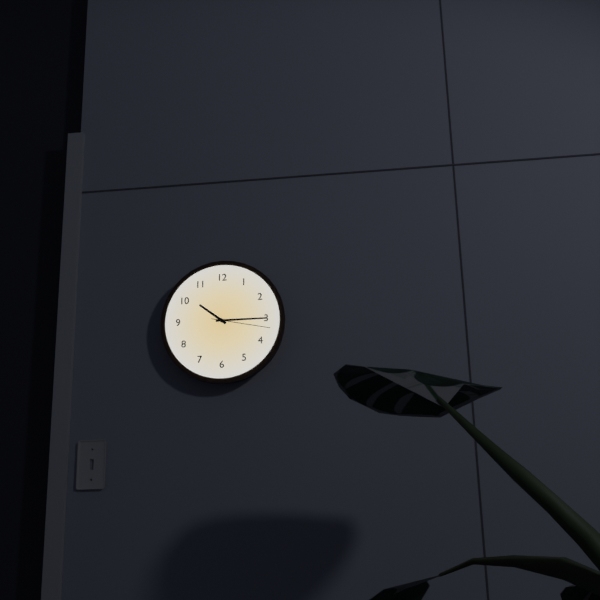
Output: 10h15m17s
